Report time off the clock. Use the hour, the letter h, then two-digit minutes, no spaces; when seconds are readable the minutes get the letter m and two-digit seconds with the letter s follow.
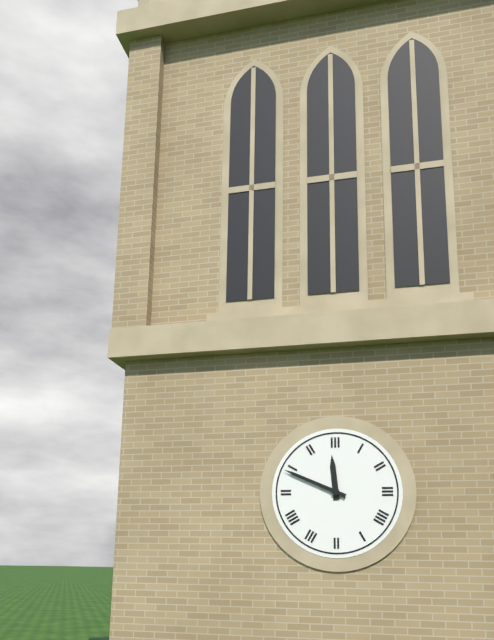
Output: 11h49
